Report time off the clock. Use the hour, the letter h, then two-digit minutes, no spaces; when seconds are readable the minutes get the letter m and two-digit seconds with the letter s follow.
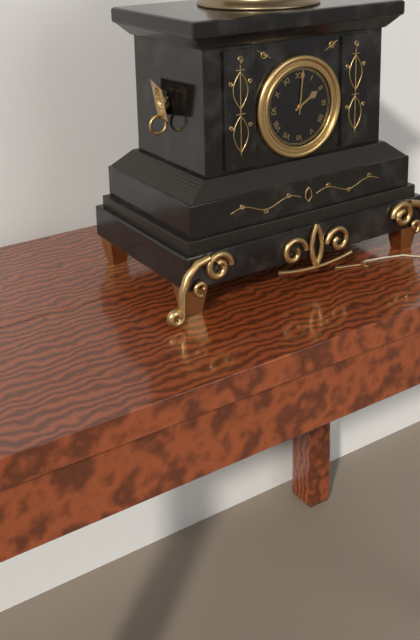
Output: 2h01
